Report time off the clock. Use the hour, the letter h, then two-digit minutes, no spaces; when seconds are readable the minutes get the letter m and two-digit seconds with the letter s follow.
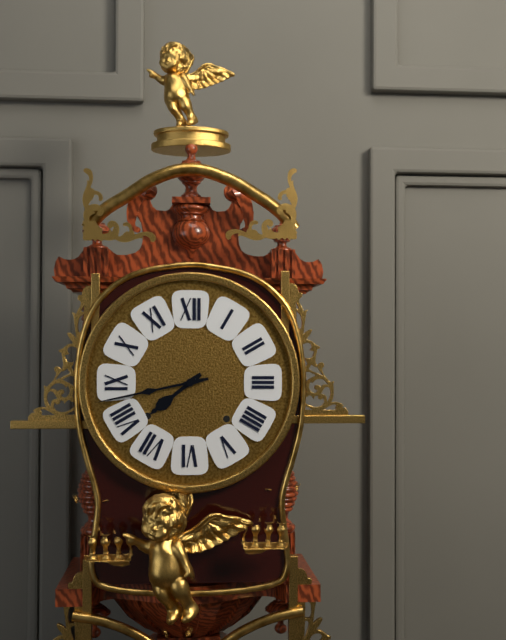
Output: 7h43
